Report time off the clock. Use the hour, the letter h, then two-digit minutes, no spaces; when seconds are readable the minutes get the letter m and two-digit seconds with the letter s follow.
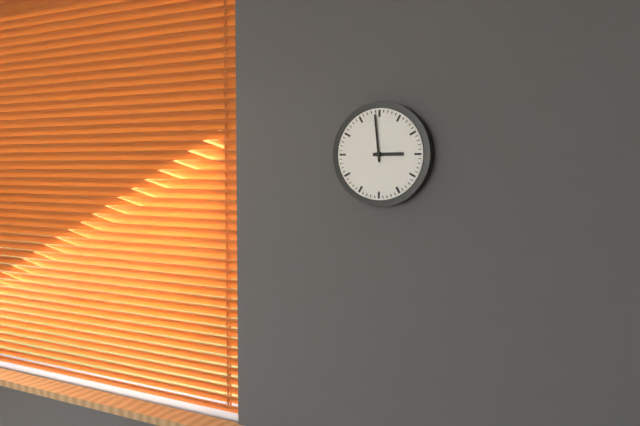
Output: 2h59
